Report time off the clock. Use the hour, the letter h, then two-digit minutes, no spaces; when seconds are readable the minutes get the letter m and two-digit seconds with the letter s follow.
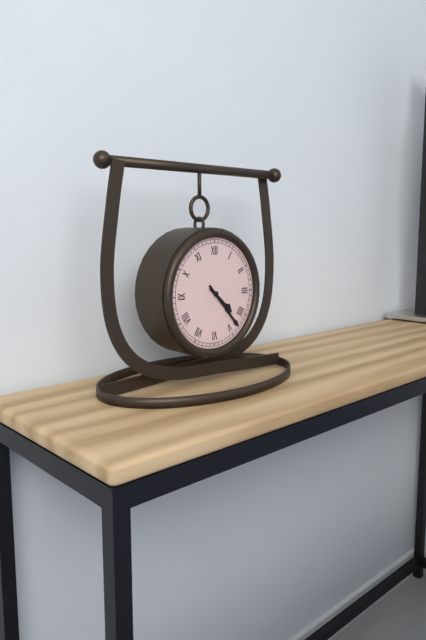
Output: 4h23
